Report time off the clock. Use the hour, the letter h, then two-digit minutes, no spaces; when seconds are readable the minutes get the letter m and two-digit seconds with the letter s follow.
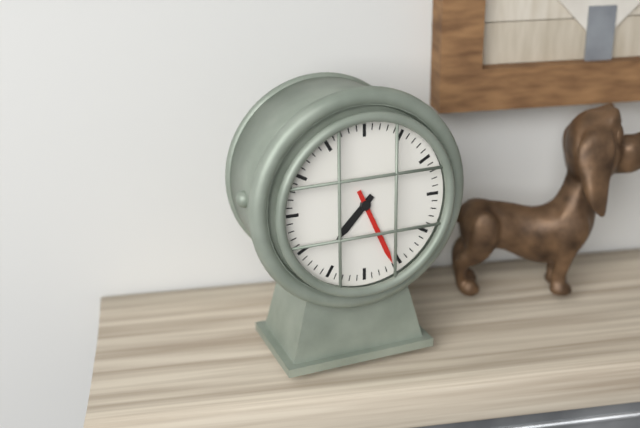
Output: 7h26
